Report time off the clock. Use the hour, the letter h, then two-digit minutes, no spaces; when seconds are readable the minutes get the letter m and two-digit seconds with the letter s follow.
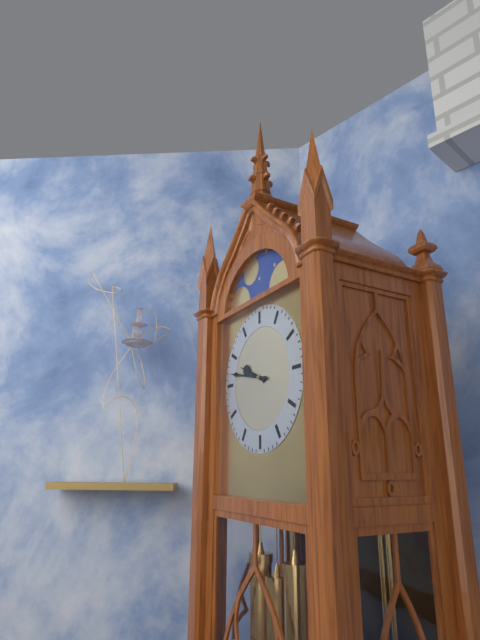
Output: 9h47
